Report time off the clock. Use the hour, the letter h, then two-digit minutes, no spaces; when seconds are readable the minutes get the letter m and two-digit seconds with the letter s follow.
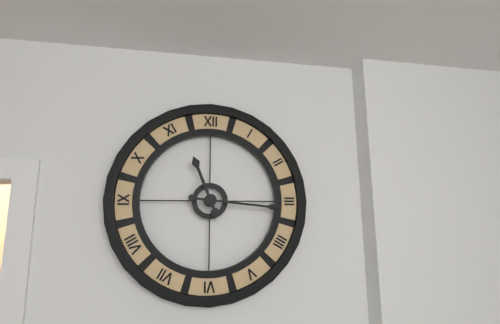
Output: 11h16
